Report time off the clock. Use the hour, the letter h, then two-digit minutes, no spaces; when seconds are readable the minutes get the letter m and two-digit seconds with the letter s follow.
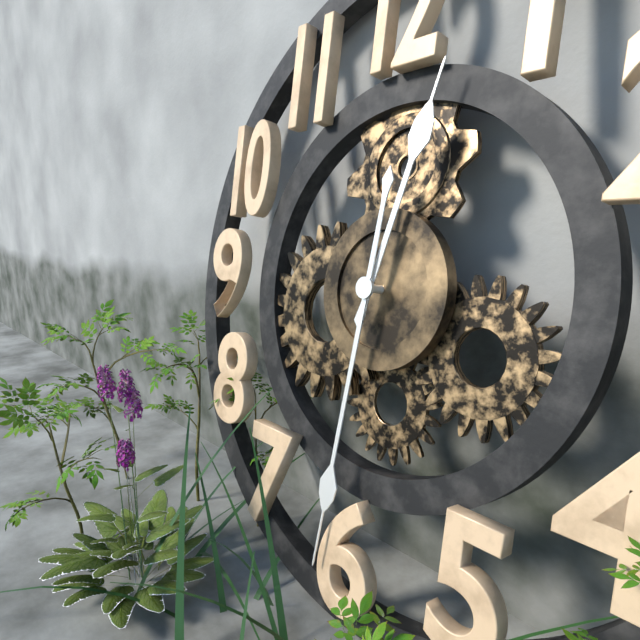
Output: 12h31
